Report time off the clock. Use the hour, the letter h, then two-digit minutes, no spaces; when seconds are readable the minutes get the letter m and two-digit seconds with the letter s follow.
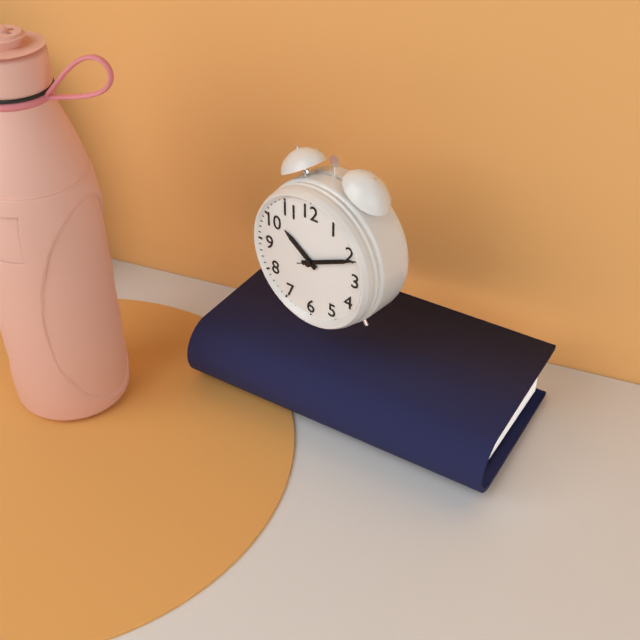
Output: 10h11m11s
